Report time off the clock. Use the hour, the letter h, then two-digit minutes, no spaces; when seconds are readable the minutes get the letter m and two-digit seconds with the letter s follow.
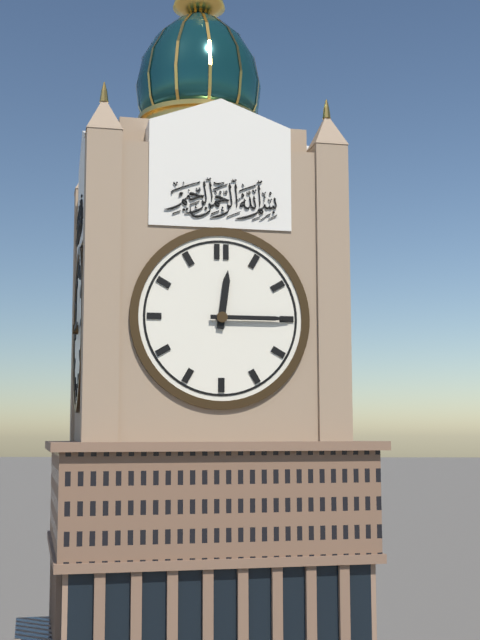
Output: 12h15
